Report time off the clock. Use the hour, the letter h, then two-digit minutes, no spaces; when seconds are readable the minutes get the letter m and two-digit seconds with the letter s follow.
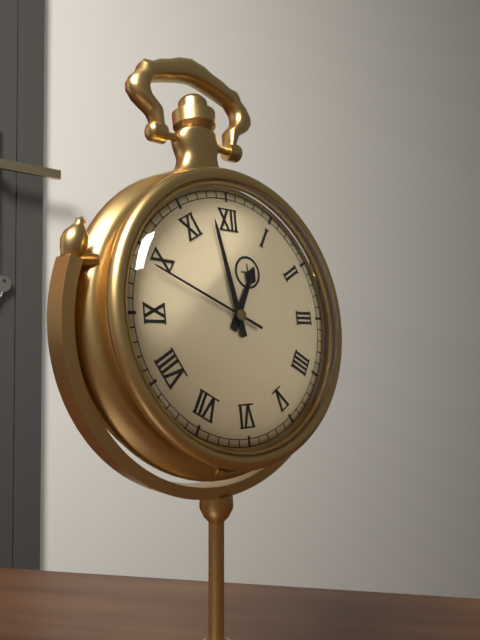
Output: 12h58m49s
